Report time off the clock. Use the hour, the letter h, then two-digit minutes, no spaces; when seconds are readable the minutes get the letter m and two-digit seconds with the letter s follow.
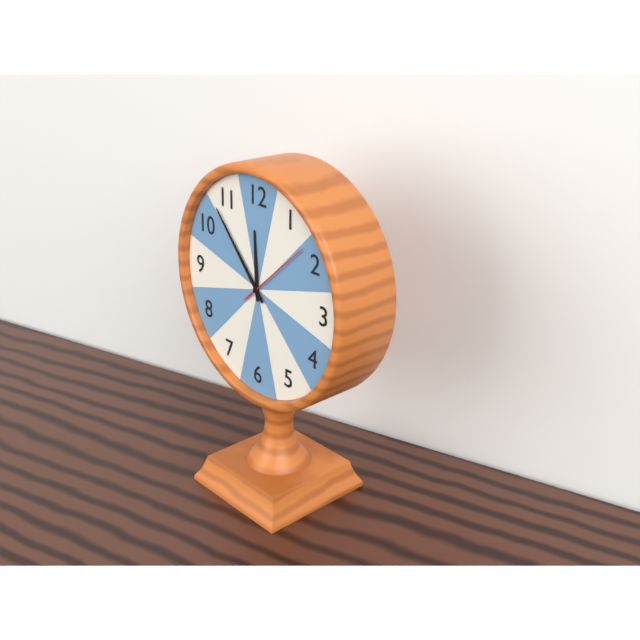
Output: 11h53m08s
